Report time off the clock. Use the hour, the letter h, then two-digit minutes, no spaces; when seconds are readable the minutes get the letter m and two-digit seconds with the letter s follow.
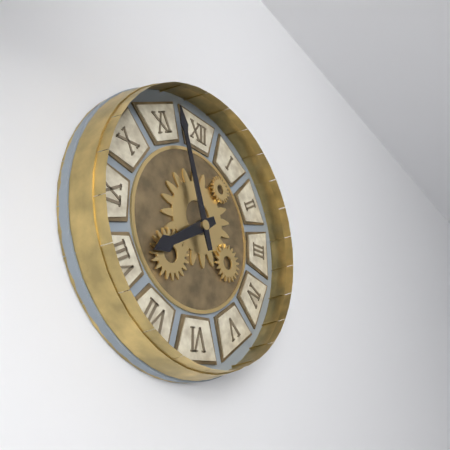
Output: 7h57
